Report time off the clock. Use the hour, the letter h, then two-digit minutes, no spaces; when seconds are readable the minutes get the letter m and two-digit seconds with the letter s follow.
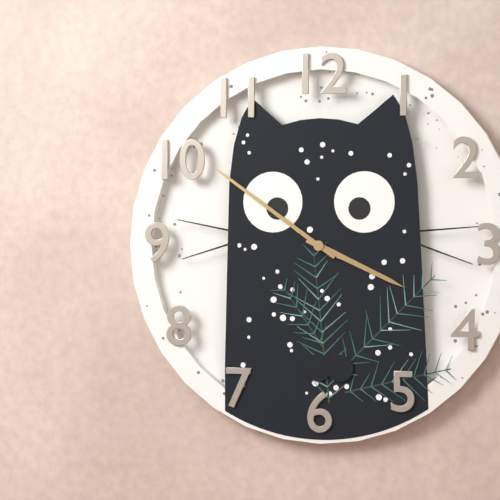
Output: 3h51
